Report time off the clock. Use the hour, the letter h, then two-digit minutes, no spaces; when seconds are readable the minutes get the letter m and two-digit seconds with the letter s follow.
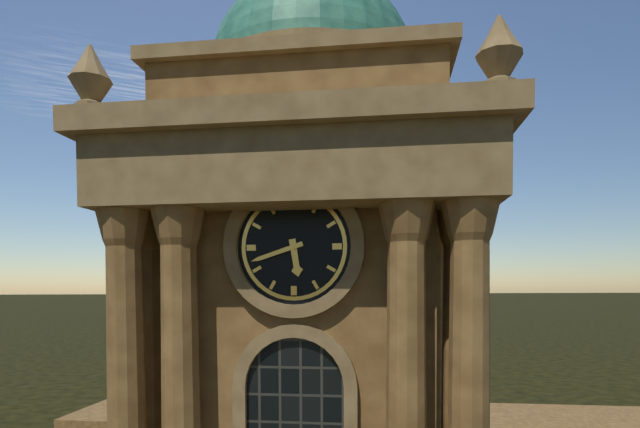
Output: 5h42
